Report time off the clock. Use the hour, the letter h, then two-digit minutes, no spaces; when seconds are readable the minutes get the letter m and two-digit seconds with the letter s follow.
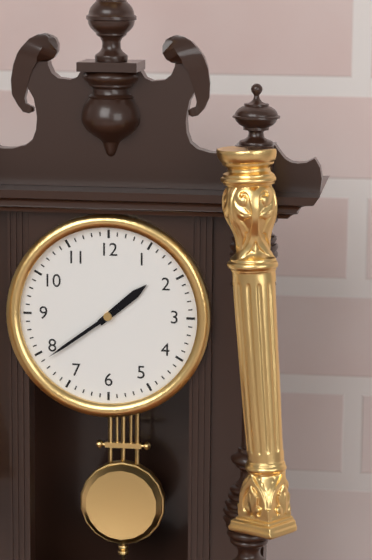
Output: 1h39
